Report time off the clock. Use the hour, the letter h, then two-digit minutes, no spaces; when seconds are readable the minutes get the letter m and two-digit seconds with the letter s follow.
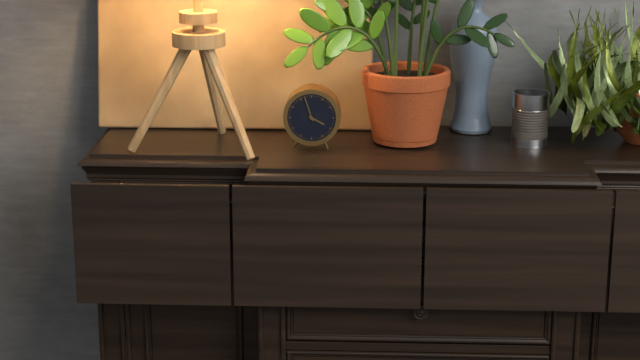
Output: 3h57
